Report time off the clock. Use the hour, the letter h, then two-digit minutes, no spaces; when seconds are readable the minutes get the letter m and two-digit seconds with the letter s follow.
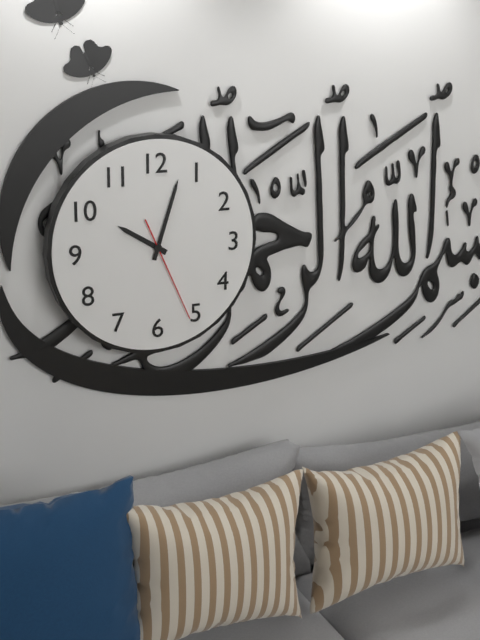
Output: 10h03m26s
